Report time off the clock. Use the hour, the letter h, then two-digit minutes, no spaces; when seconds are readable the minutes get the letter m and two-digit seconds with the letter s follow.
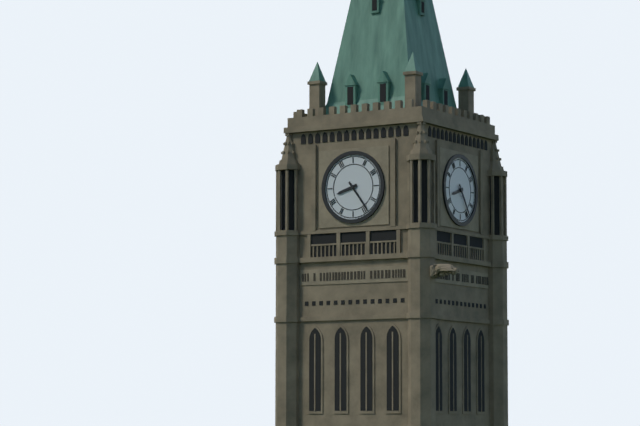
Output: 8h24
